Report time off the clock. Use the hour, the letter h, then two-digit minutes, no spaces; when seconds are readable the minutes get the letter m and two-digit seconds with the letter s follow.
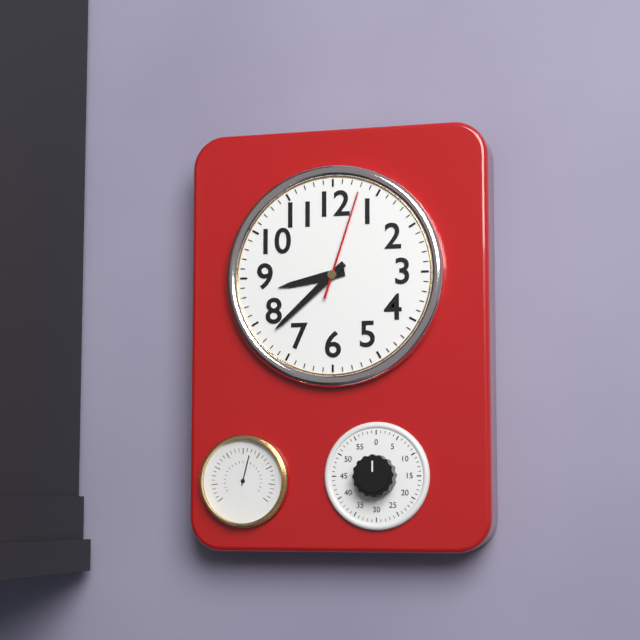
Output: 8h38m03s
